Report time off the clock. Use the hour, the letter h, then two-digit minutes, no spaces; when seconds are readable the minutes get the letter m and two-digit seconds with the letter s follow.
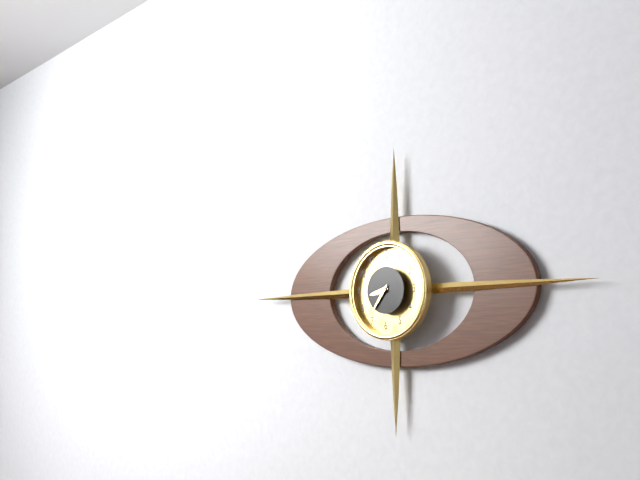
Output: 8h36
